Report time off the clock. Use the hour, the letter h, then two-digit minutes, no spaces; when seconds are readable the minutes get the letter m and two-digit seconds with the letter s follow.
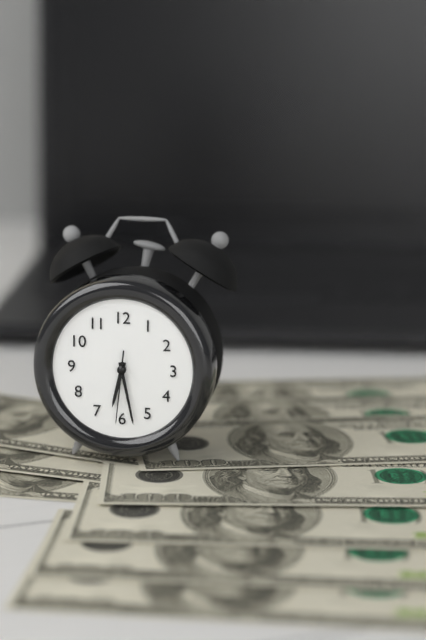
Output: 6h28m31s
